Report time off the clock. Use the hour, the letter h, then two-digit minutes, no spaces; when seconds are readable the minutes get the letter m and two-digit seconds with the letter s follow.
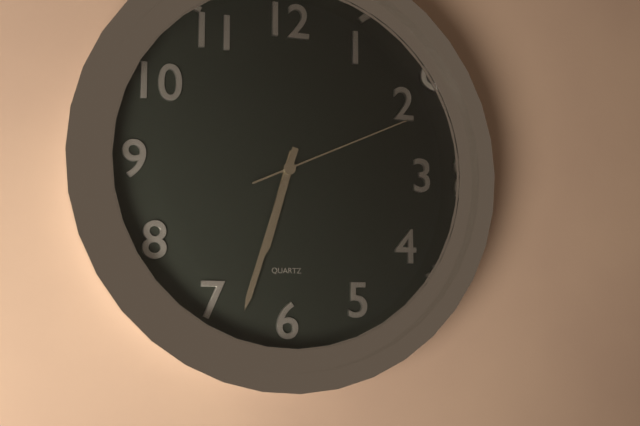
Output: 6h33m11s
